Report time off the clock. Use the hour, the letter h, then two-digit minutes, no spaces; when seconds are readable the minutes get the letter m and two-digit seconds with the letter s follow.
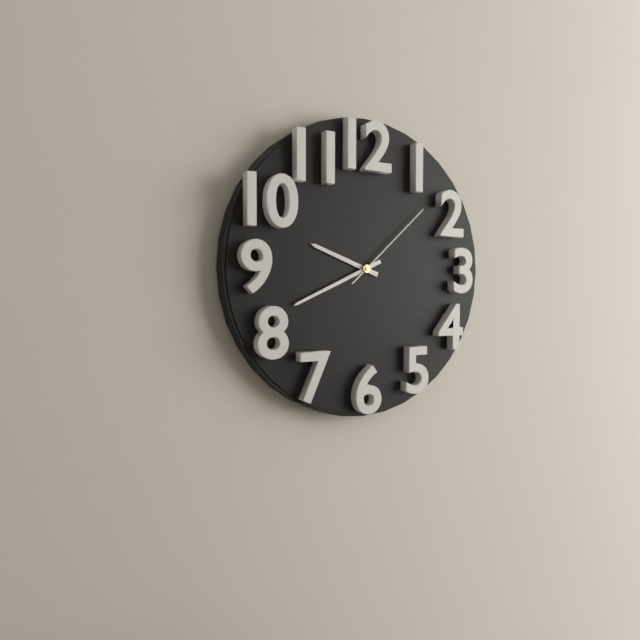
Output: 9h41m08s
